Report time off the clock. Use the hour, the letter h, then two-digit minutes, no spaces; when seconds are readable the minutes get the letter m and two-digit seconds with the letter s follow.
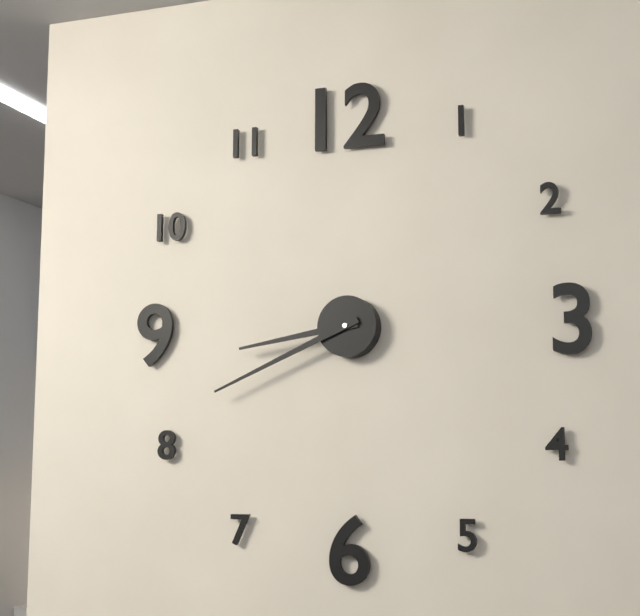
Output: 8h41
